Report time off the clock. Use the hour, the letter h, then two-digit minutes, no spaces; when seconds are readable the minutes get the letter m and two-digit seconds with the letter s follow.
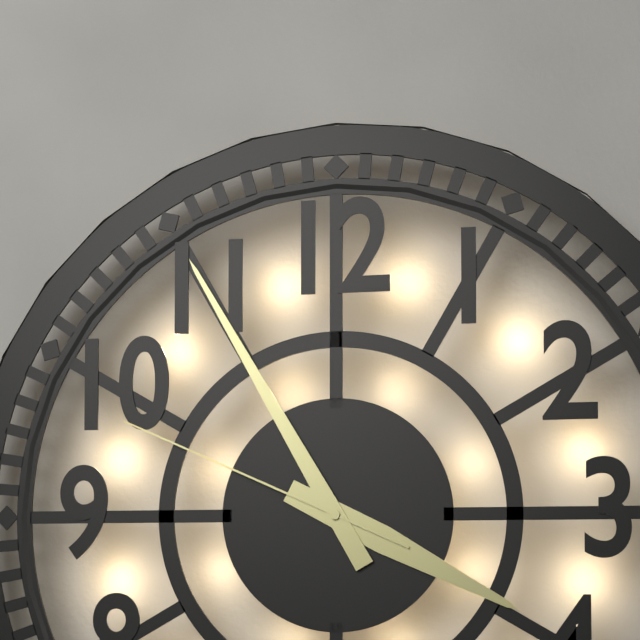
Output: 3h55m49s
